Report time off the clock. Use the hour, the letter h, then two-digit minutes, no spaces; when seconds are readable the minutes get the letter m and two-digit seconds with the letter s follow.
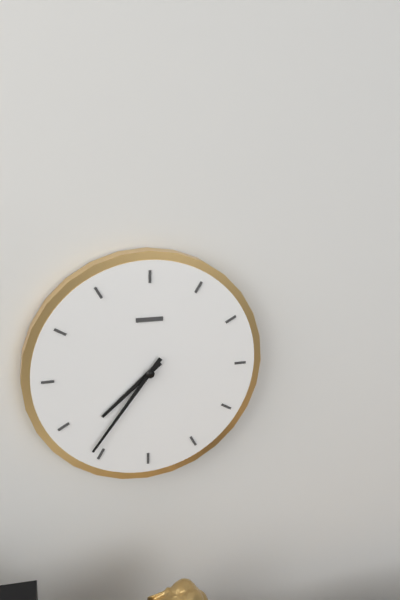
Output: 7h36
